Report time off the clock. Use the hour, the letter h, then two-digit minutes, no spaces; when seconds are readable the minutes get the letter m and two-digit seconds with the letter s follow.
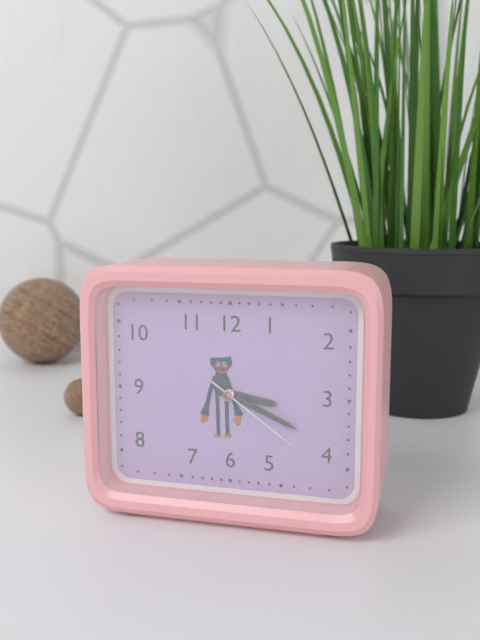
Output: 3h19m21s
